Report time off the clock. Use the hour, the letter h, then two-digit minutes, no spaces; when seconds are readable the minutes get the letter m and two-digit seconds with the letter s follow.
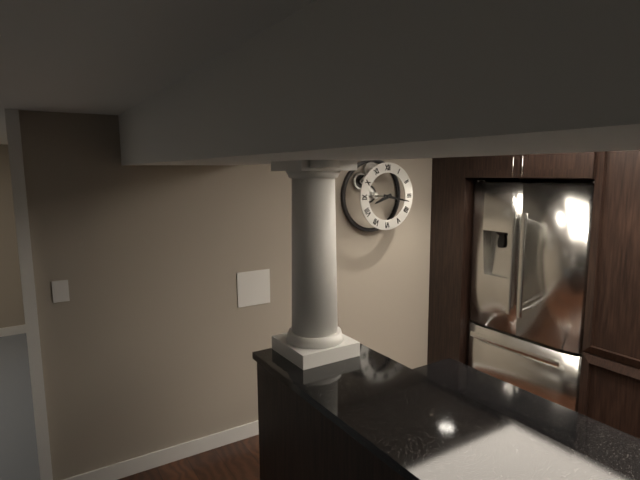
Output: 8h17
